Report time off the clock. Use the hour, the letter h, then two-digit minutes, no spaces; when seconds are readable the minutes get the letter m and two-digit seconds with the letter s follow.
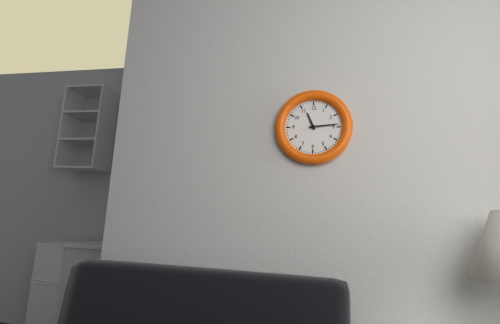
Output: 11h14
